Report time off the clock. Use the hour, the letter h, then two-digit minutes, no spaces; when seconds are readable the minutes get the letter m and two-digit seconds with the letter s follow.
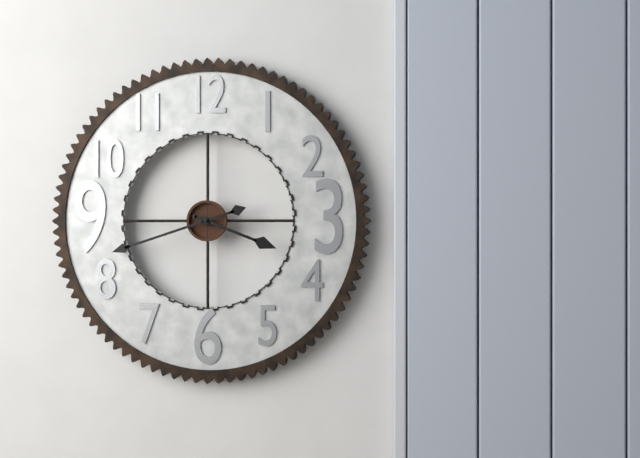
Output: 3h42
